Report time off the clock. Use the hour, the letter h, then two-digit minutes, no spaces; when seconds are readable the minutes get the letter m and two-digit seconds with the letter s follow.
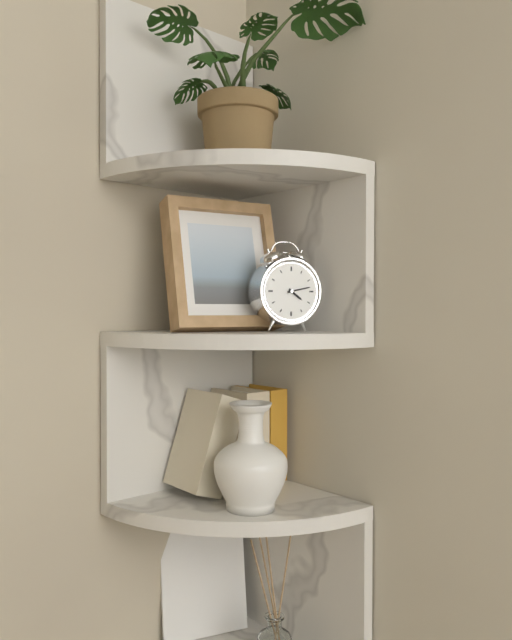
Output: 4h13
